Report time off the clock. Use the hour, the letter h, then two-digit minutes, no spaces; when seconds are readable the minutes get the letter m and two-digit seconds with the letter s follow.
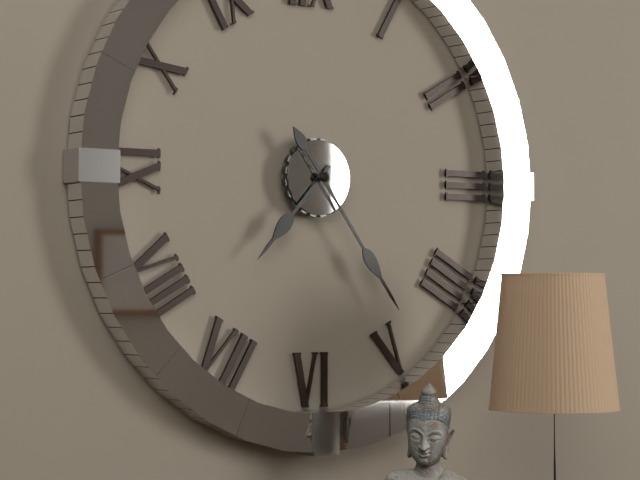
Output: 7h24
